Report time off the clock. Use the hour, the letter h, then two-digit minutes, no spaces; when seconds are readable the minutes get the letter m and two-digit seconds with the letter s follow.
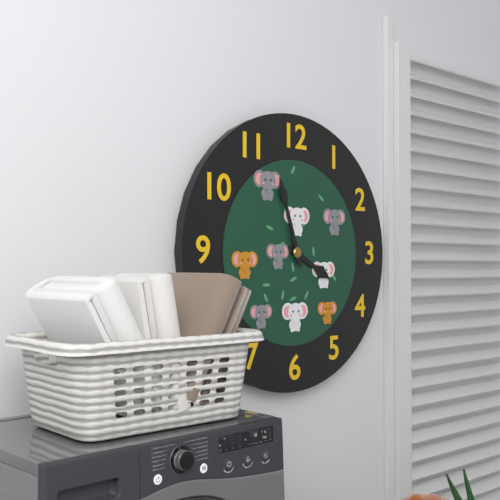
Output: 3h57
